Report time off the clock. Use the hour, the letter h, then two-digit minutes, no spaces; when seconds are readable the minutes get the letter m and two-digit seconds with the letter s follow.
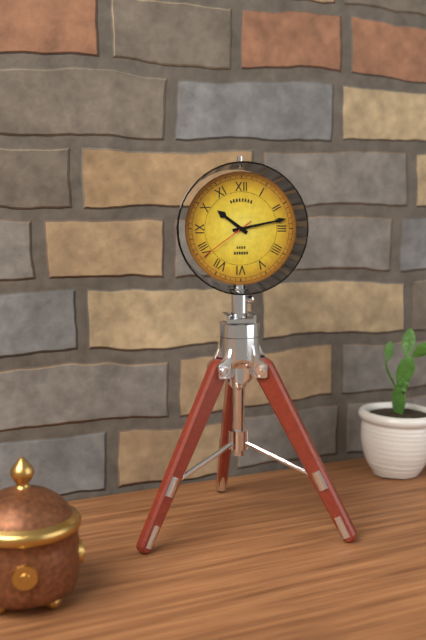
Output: 10h13m39s
